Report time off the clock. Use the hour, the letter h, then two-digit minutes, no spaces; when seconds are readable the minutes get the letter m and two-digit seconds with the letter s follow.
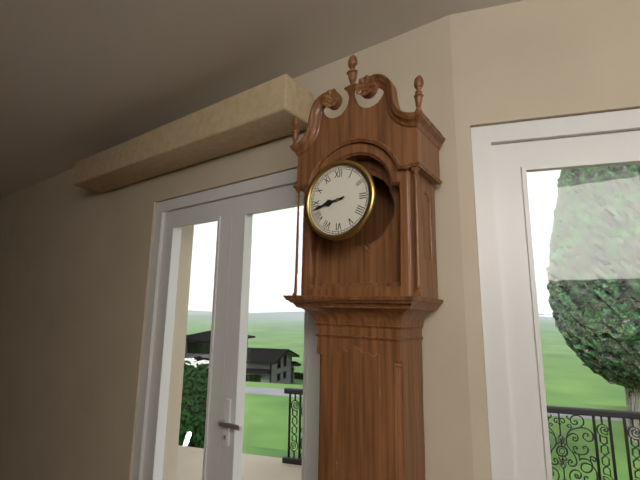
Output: 8h43
